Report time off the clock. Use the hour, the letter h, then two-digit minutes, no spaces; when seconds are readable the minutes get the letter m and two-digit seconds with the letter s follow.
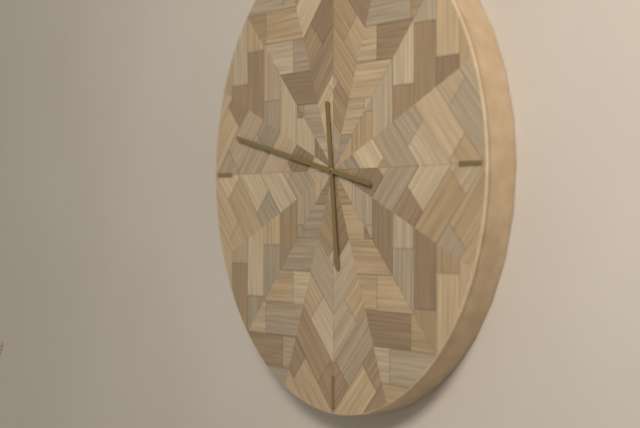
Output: 5h47
